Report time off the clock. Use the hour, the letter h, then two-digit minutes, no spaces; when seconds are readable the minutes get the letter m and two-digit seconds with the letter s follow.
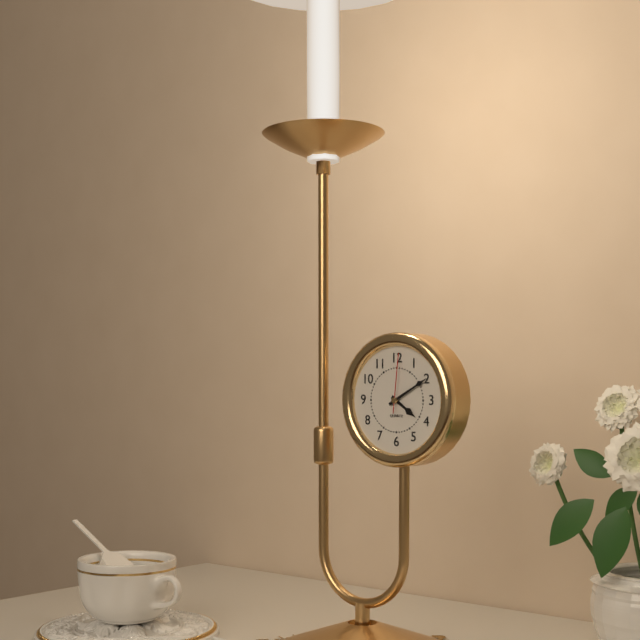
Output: 4h10m01s
